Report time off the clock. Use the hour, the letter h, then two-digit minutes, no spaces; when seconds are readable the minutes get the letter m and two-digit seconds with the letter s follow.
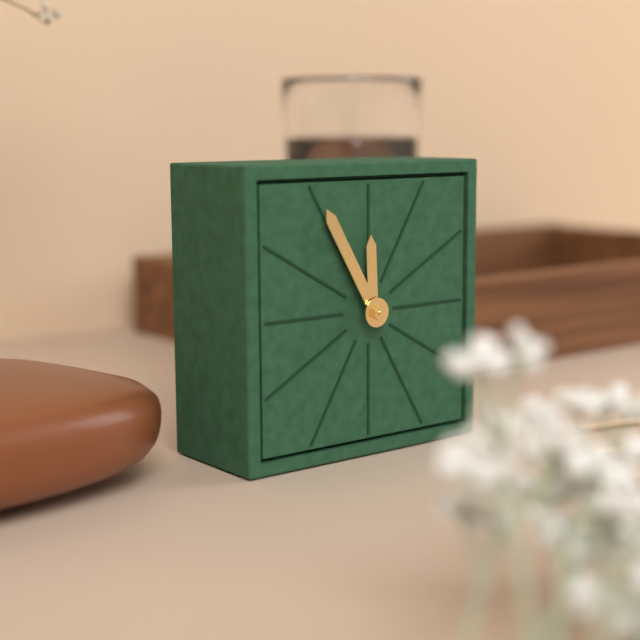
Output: 11h55
